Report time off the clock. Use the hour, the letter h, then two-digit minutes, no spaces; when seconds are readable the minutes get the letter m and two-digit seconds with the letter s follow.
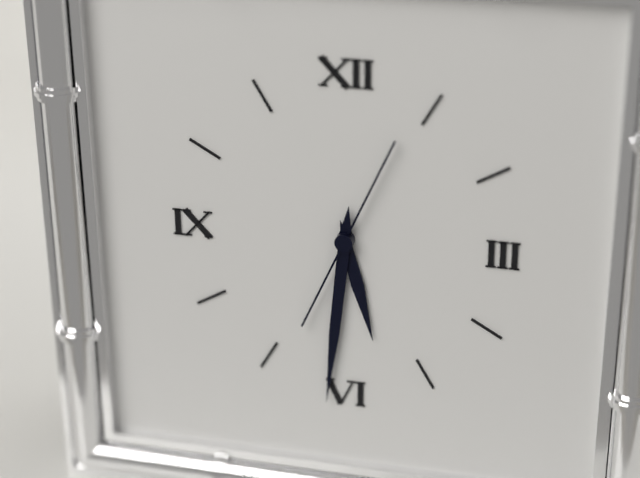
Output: 5h31m04s
